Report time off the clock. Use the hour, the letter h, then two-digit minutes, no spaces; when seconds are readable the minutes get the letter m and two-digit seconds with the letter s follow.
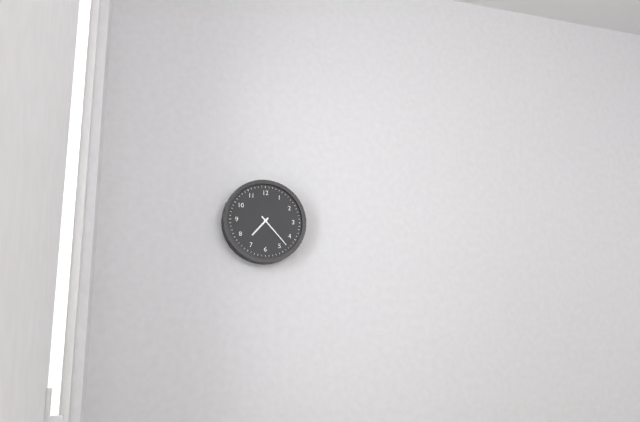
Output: 7h23
